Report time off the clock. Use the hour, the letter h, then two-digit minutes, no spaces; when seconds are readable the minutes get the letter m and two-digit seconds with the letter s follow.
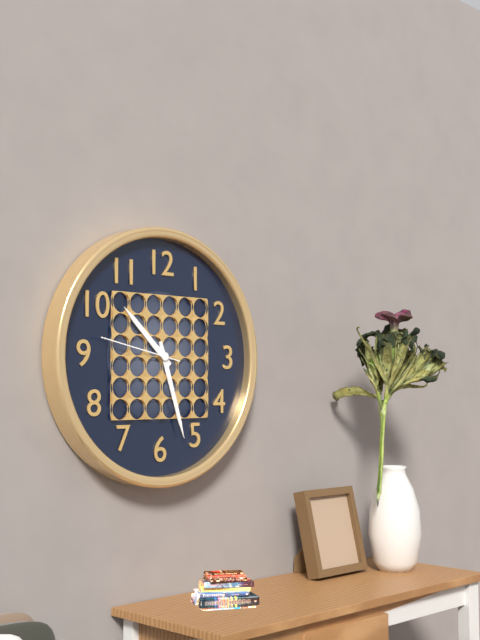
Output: 10h27m47s
